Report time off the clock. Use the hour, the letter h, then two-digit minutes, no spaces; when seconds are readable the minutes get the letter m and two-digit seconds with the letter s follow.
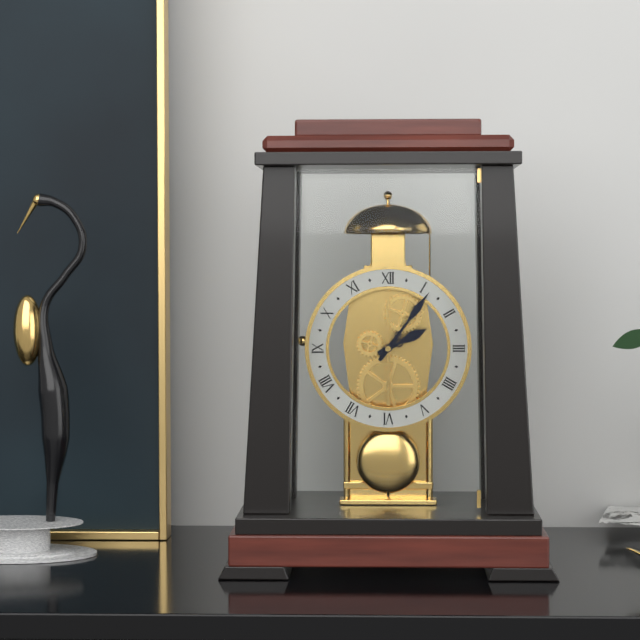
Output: 2h06
